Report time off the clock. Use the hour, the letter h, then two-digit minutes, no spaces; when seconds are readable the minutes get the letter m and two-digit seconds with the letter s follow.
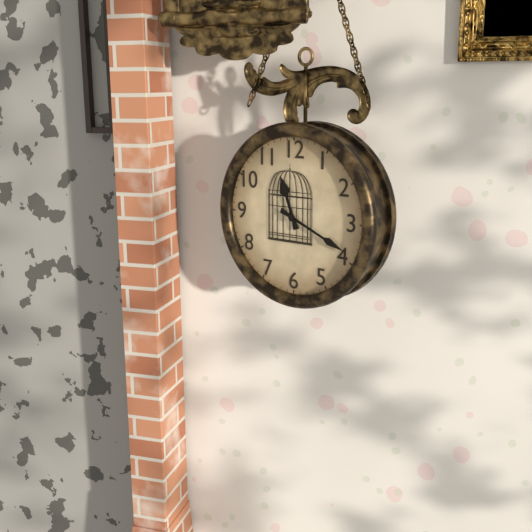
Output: 11h19
